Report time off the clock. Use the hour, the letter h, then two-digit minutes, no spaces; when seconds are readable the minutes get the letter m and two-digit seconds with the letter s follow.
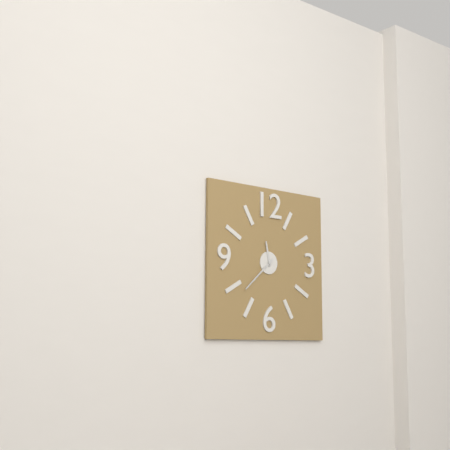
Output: 11h38
